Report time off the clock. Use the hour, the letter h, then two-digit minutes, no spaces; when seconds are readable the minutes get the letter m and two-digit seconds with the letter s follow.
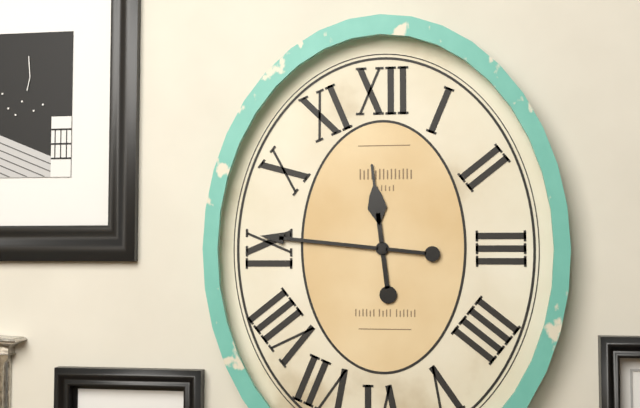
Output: 11h46
